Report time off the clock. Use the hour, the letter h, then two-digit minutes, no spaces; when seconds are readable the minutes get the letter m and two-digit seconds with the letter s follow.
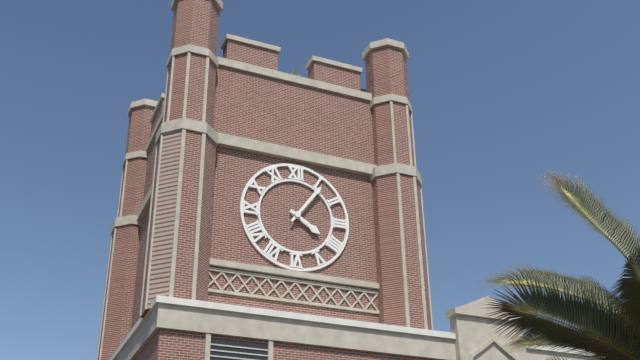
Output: 4h06
